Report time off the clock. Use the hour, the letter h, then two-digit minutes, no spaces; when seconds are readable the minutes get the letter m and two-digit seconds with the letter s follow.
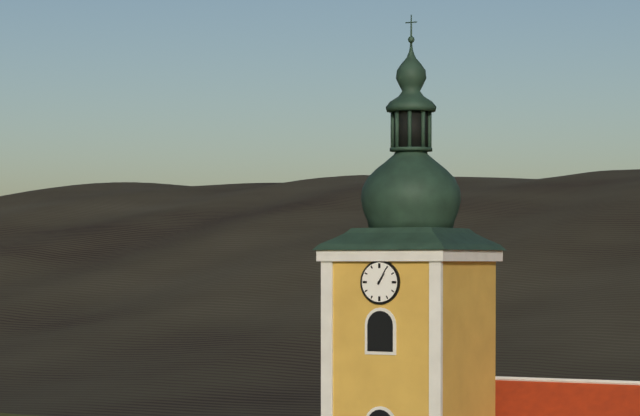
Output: 1h05
